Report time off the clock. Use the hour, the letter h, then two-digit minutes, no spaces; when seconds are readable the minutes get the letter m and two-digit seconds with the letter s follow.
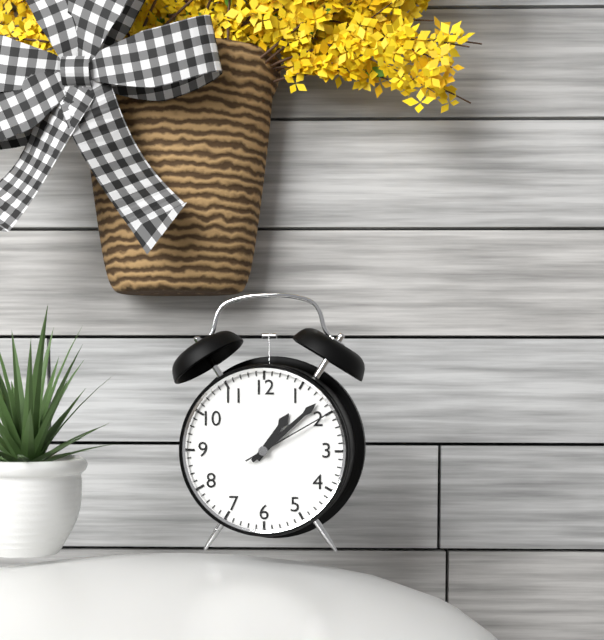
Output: 1h08m10s
